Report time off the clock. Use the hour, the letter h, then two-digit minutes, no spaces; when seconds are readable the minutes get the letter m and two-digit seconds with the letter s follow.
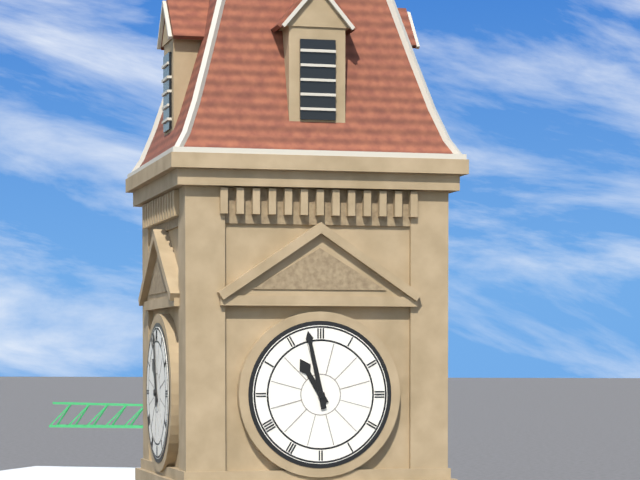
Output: 10h58
